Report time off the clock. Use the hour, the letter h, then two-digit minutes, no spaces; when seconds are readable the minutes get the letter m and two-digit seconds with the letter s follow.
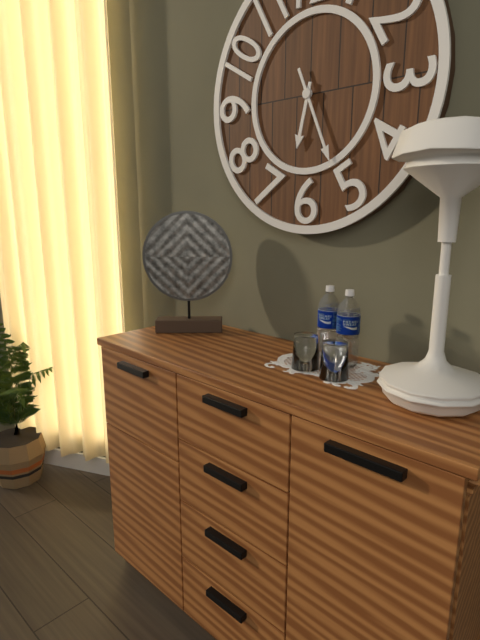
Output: 6h26
